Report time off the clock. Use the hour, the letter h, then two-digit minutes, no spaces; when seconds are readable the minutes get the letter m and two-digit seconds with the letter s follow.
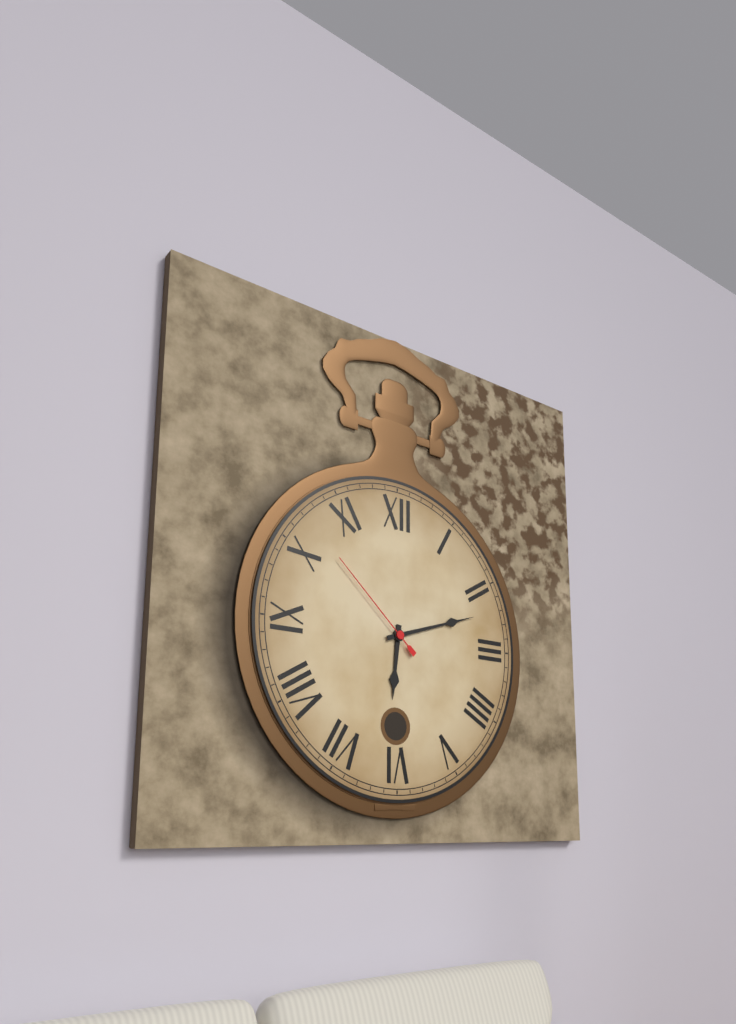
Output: 6h12m52s
